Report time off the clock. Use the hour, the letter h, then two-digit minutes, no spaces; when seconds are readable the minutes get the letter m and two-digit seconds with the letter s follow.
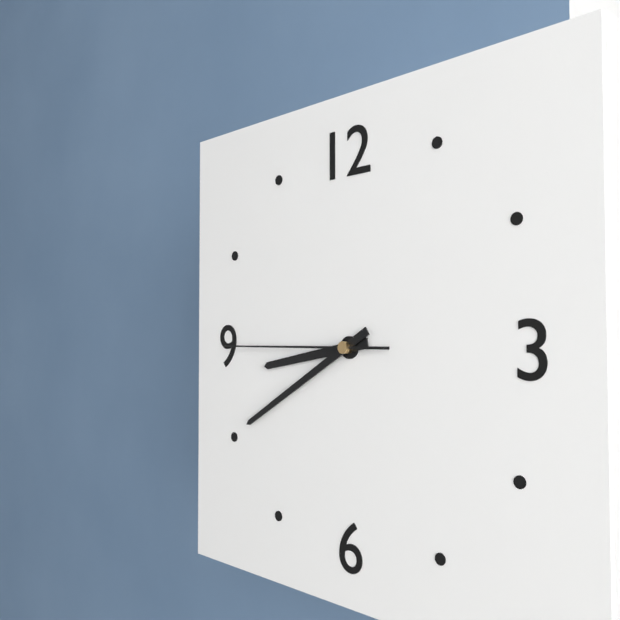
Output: 8h40m45s
